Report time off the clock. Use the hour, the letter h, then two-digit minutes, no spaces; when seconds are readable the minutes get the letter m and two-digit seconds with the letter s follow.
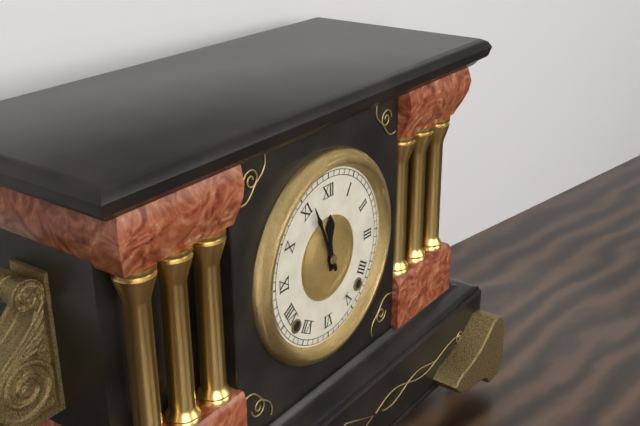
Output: 11h56
